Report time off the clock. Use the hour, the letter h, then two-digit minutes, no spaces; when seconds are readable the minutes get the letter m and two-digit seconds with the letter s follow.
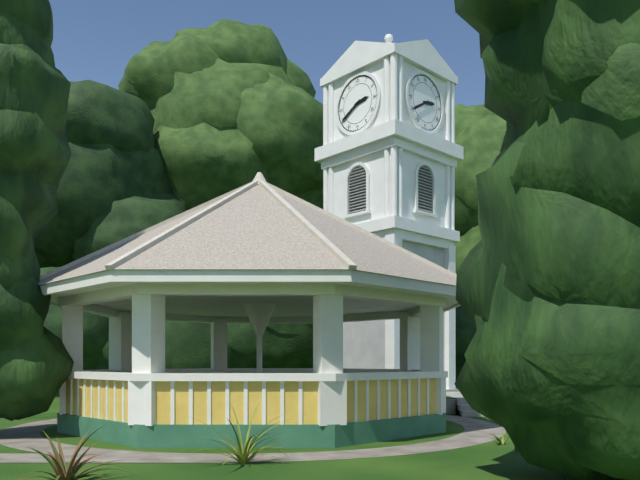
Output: 2h40
